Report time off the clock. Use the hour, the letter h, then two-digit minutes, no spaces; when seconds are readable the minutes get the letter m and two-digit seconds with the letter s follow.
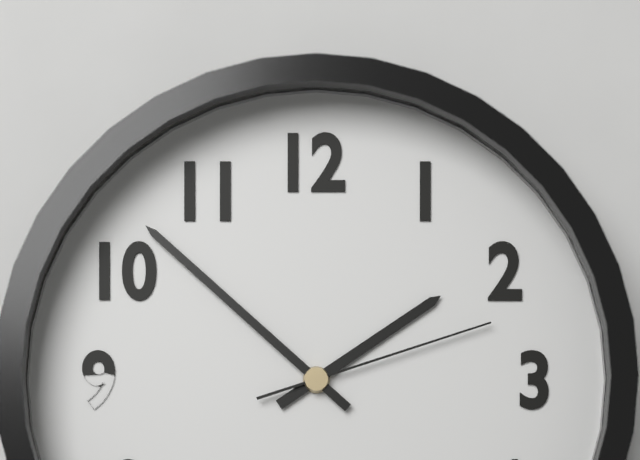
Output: 1h52m12s
